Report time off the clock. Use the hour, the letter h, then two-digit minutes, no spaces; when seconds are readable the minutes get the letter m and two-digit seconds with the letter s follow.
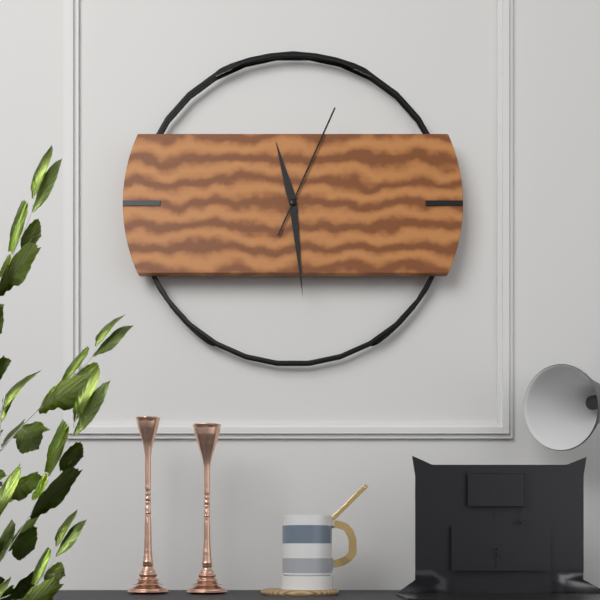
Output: 11h29m04s
